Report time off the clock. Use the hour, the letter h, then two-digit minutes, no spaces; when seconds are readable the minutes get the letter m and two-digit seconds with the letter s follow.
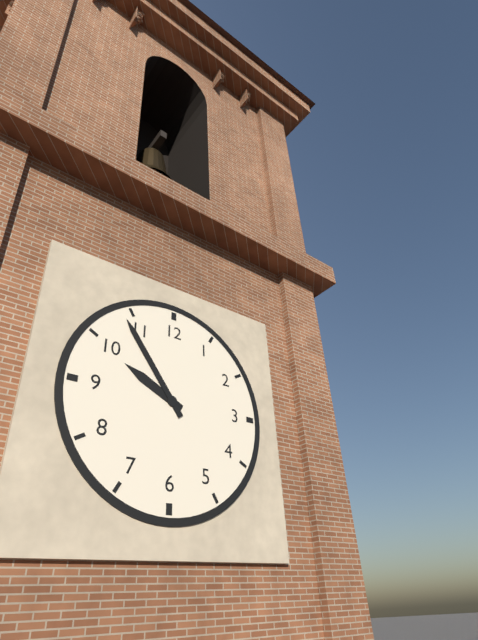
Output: 9h54
